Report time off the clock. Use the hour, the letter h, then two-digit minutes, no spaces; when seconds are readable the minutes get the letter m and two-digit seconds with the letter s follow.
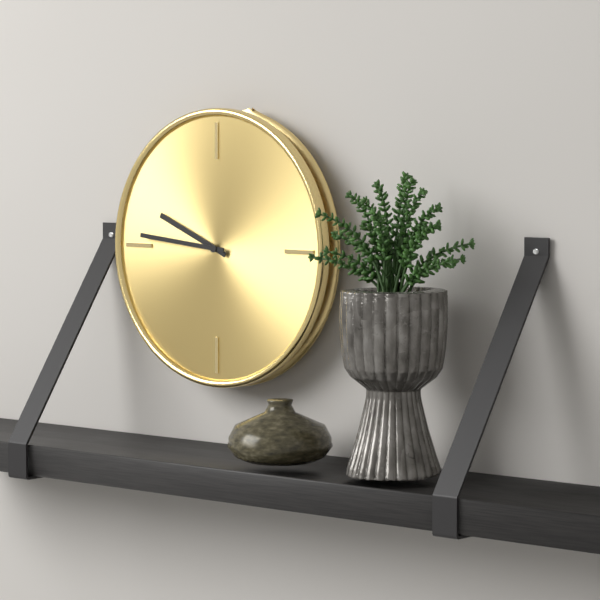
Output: 9h46
